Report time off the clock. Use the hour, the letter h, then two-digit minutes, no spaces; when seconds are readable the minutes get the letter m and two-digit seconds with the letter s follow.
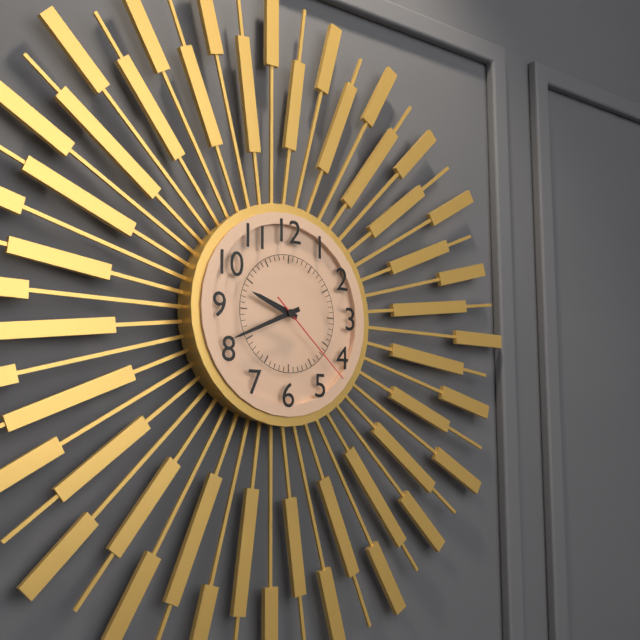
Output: 9h41m22s
